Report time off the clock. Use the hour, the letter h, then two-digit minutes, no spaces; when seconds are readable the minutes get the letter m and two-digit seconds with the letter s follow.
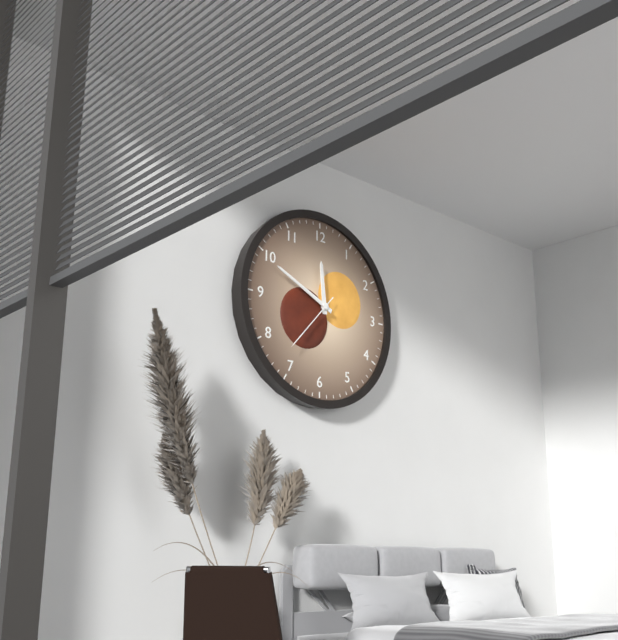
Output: 11h49m37s
